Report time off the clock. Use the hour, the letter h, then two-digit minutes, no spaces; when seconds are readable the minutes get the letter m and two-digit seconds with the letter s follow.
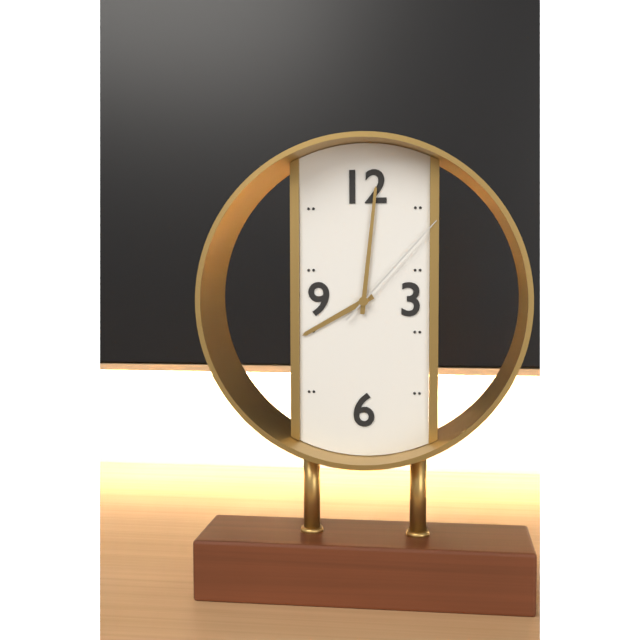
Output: 8h01m07s
